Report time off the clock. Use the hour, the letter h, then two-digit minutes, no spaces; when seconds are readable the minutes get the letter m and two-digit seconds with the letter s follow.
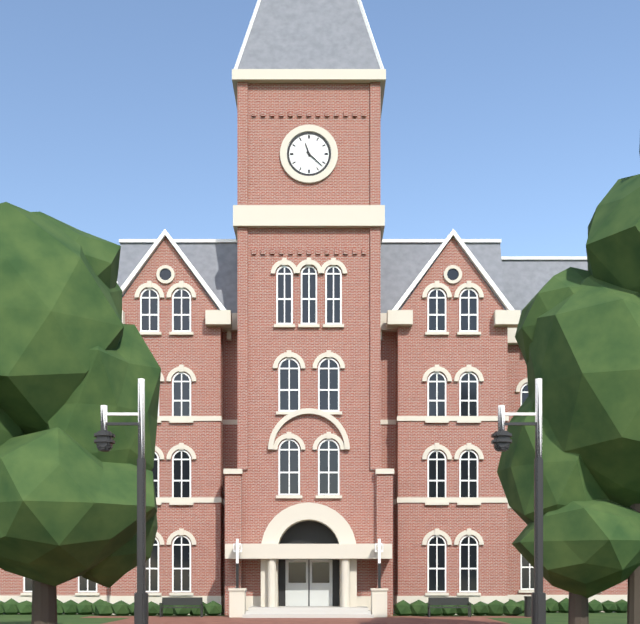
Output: 11h22
